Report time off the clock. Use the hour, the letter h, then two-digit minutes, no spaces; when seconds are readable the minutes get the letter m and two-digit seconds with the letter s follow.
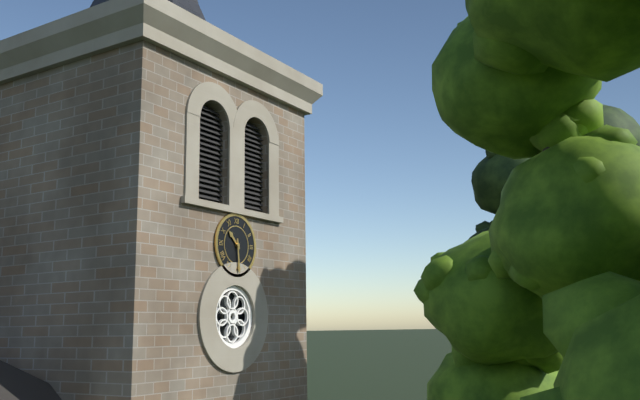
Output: 10h29
